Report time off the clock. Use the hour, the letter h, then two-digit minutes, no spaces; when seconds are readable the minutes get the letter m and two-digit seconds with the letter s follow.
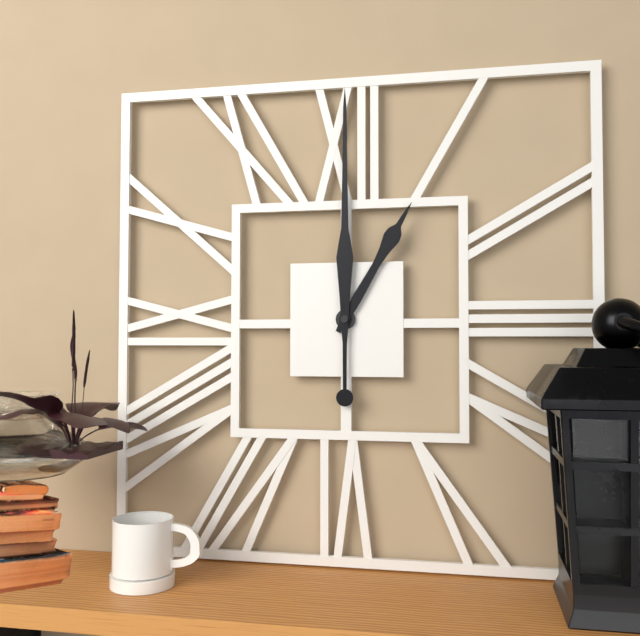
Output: 1h00
